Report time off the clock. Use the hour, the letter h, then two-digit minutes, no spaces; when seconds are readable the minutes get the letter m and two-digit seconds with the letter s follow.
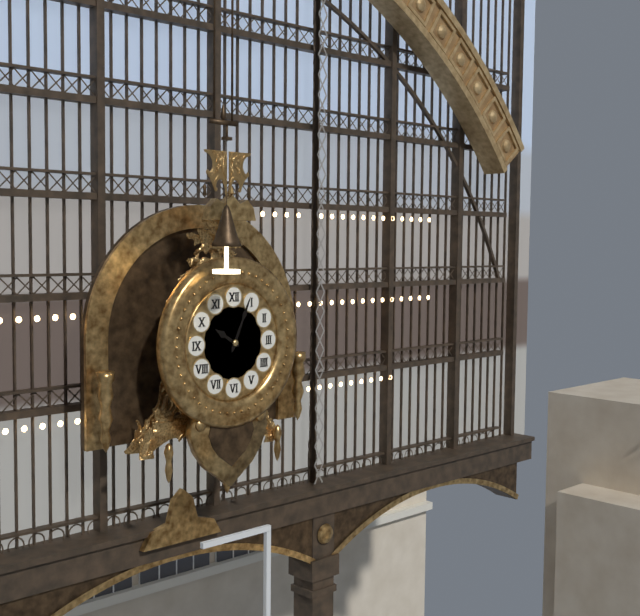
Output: 10h04
